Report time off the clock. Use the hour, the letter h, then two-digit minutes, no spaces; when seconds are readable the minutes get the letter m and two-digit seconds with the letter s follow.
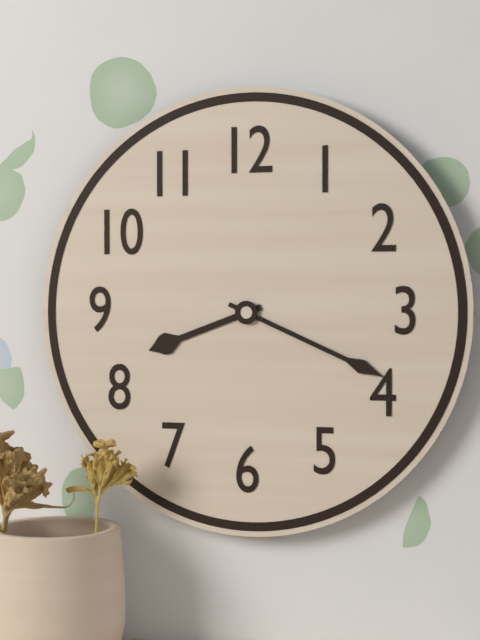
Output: 8h19
